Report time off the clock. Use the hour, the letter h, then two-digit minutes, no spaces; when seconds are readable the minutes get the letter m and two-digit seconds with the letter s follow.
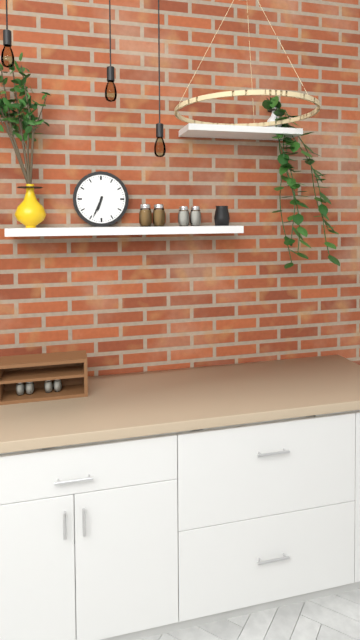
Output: 6h34
